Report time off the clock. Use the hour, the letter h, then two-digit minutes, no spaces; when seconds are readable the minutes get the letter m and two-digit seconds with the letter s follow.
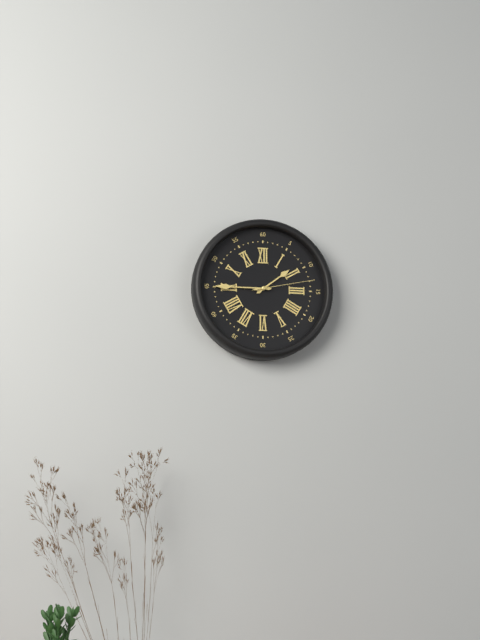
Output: 1h45m13s
